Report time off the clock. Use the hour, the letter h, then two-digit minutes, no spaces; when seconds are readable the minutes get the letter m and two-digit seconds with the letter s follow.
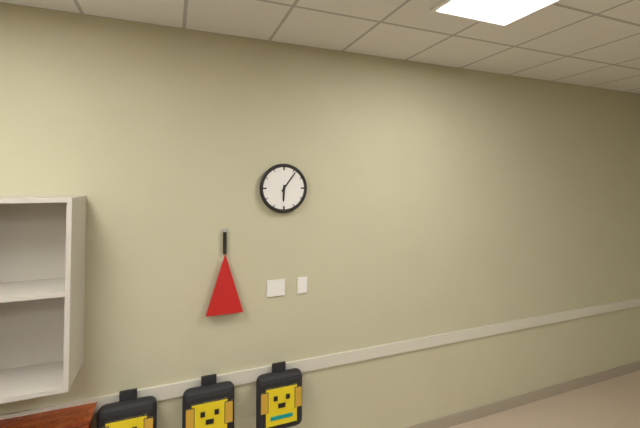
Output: 6h06
